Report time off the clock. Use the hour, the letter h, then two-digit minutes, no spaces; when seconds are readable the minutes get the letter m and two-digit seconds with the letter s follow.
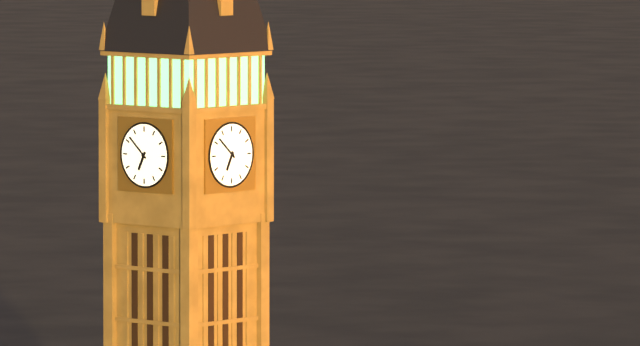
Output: 6h52
